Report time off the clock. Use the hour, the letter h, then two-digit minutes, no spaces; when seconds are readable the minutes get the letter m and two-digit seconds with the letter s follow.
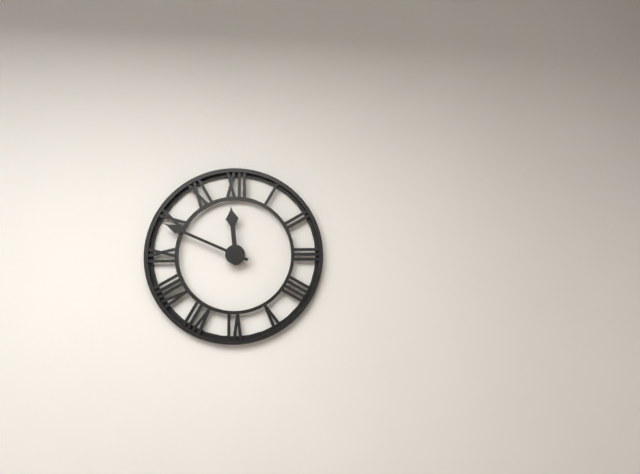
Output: 11h49
